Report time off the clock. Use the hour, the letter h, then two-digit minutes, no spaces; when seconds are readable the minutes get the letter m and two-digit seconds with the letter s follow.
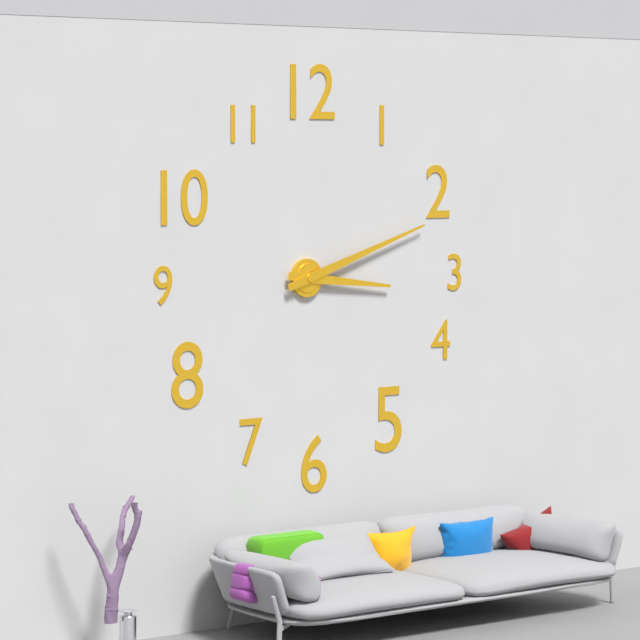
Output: 3h12
